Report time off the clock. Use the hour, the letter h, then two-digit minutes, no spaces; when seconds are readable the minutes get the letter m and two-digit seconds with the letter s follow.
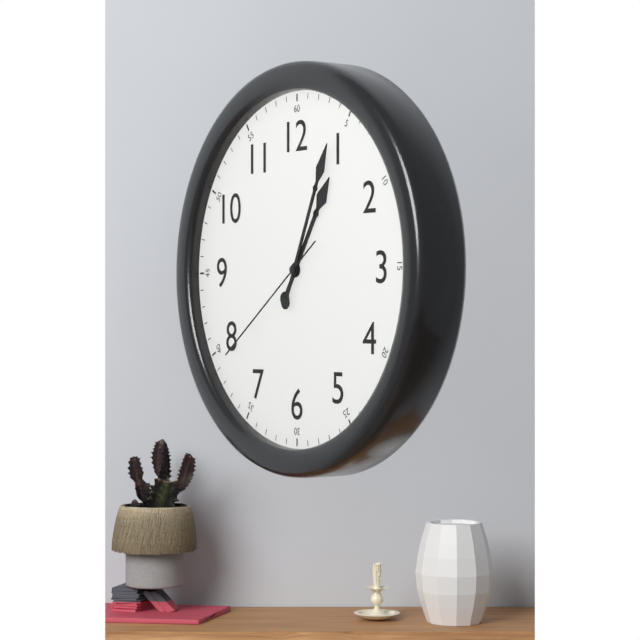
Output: 1h04m39s
